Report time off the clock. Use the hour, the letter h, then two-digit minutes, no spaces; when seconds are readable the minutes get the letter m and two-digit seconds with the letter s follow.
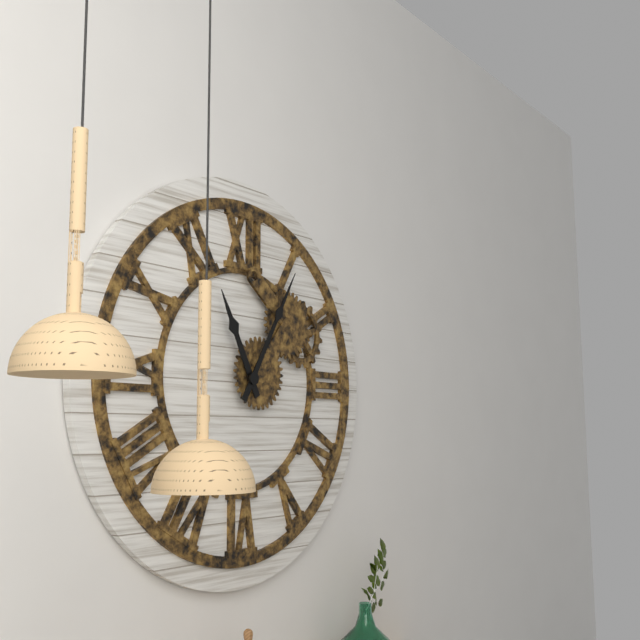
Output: 11h05
